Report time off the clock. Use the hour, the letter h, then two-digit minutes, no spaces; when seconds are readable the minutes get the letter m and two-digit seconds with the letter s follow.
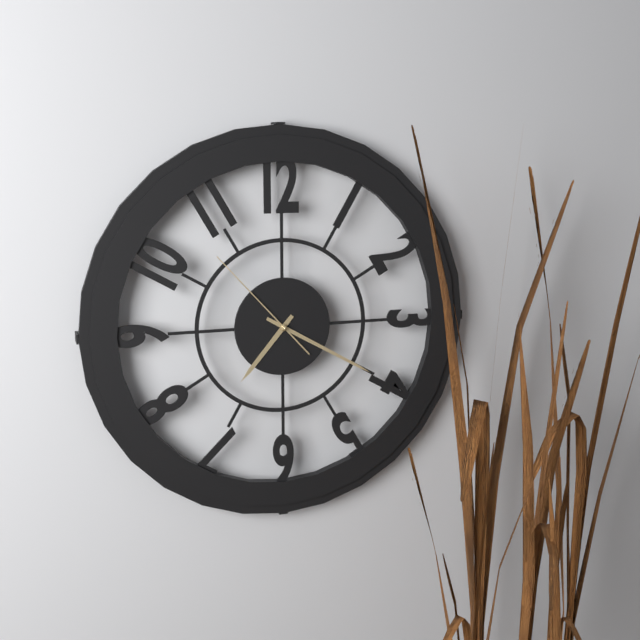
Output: 7h20m53s
